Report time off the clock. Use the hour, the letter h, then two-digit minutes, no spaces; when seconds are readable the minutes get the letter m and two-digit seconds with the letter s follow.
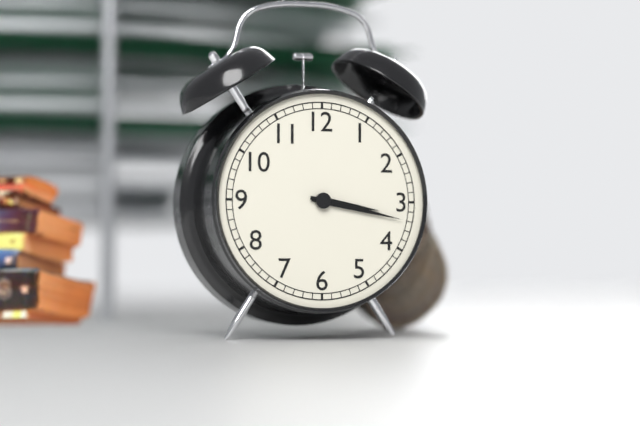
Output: 3h17
